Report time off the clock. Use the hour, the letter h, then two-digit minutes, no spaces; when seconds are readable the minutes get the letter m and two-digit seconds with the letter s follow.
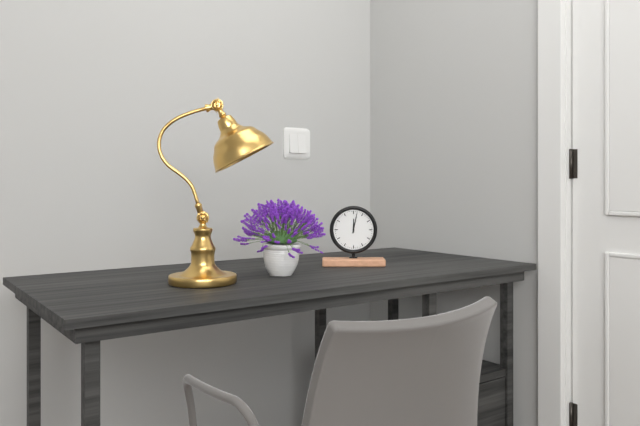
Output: 12h02
